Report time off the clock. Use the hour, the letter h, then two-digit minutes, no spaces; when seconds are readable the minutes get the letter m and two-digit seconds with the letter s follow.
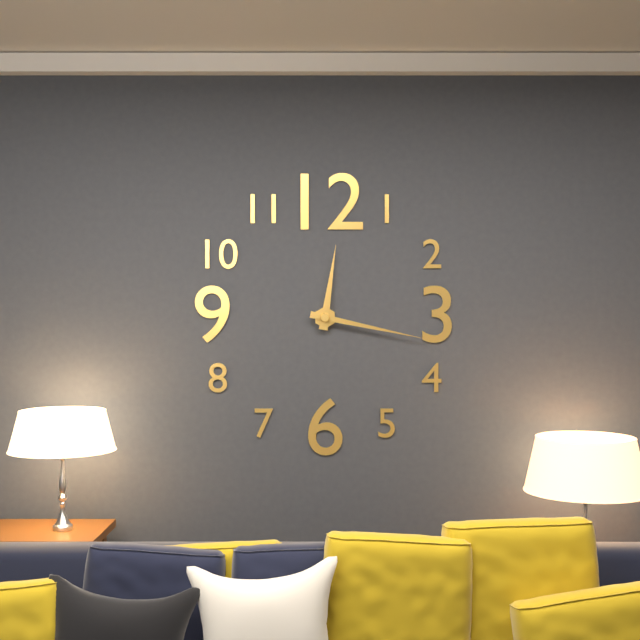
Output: 12h17
